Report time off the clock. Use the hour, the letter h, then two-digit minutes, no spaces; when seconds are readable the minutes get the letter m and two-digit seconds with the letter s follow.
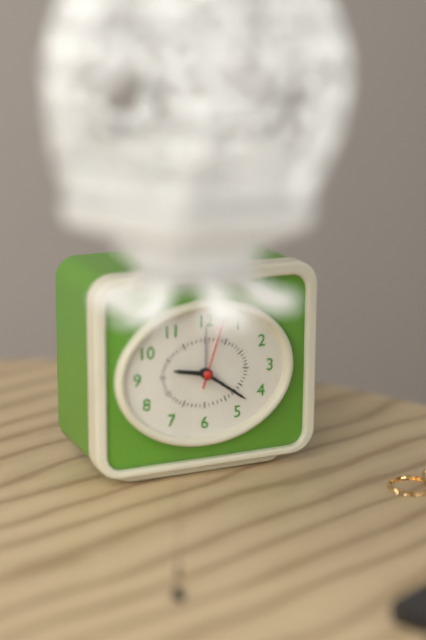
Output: 9h21m03s
